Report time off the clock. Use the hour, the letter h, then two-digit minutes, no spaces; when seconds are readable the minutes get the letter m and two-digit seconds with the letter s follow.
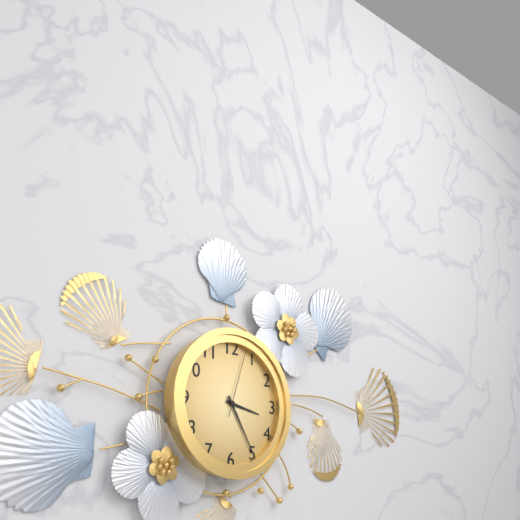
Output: 3h25m03s
